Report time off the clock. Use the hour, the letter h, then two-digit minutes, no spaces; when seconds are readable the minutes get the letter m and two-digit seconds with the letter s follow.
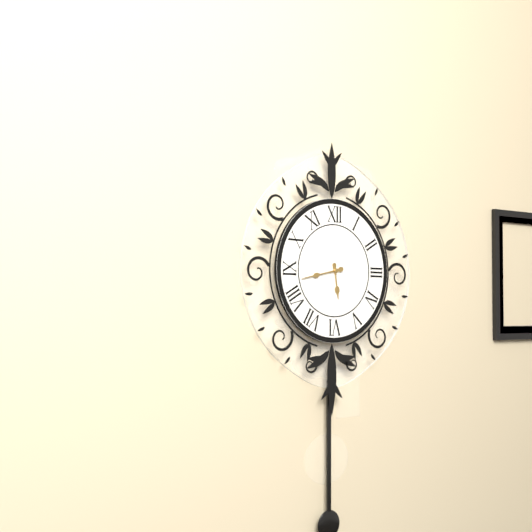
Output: 5h43
